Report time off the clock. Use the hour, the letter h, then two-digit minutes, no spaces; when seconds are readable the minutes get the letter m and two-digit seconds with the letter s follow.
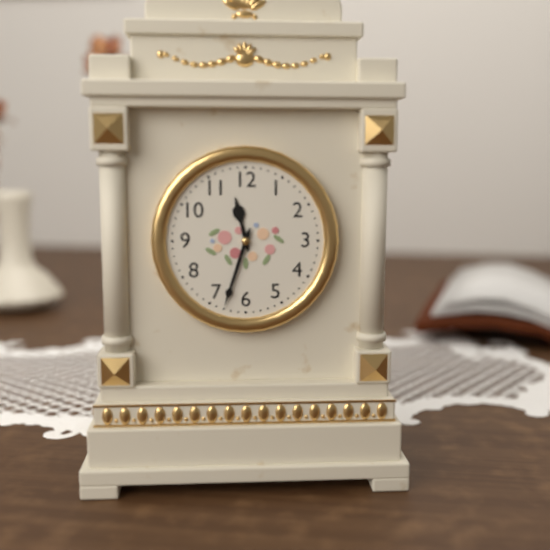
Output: 11h33
